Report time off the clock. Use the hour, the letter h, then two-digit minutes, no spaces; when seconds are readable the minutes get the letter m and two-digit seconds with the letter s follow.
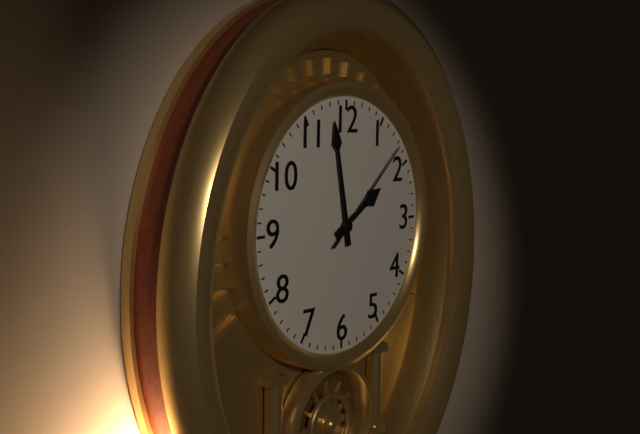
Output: 1h58m08s
